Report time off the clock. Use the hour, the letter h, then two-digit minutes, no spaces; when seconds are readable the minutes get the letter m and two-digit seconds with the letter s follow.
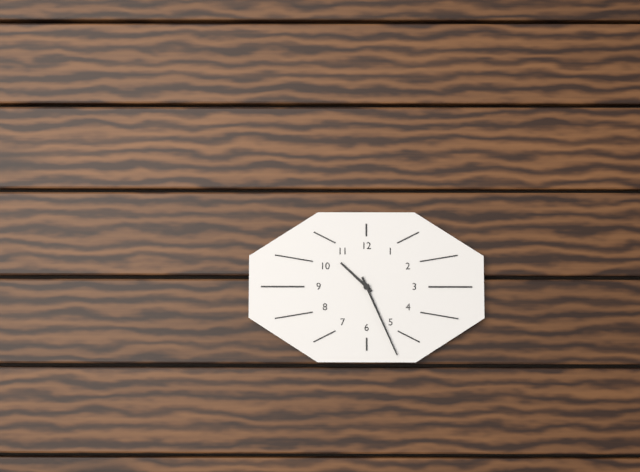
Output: 10h26
